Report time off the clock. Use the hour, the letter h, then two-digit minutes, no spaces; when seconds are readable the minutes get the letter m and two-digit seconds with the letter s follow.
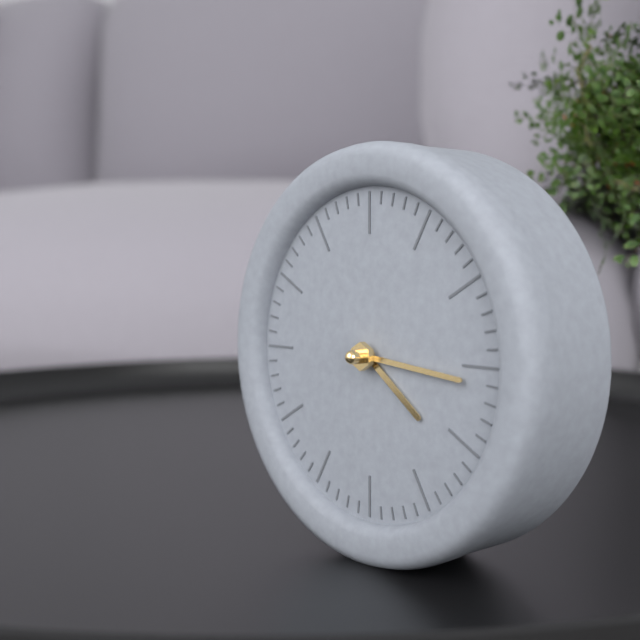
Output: 4h16
